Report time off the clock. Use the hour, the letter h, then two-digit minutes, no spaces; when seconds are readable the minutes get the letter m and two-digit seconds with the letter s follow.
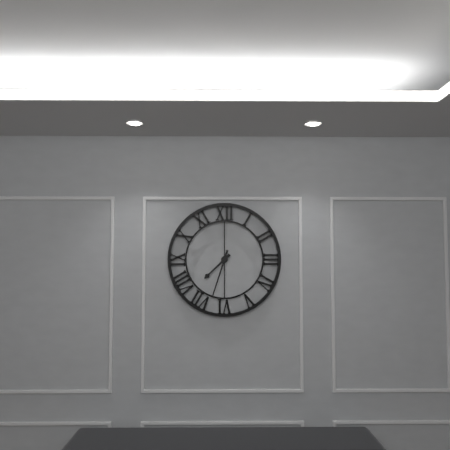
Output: 7h33
